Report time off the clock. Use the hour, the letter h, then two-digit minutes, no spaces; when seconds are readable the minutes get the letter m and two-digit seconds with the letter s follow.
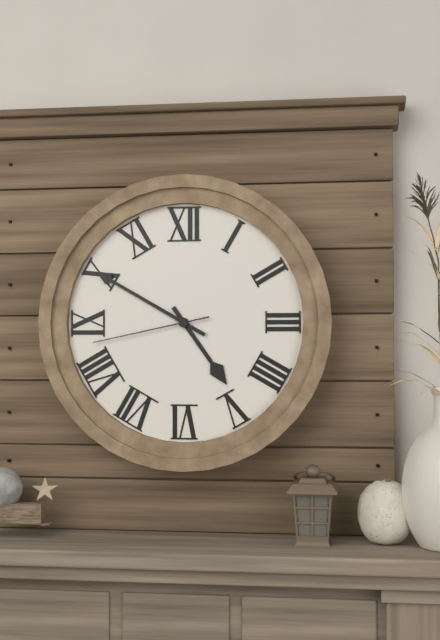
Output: 4h50m43s
